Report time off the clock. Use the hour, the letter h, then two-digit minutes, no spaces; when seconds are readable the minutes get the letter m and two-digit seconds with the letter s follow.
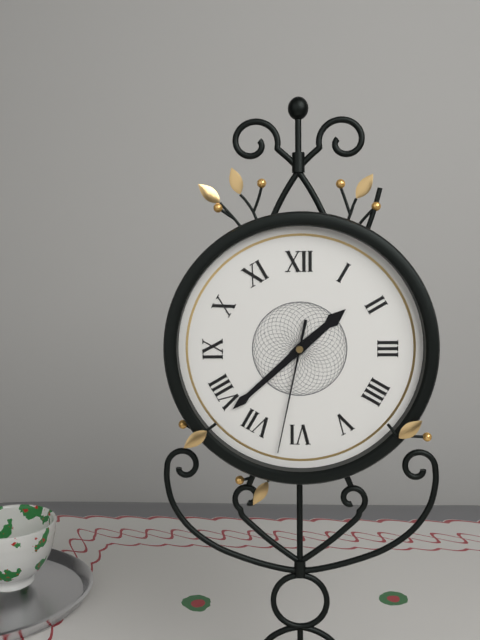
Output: 1h38m32s
